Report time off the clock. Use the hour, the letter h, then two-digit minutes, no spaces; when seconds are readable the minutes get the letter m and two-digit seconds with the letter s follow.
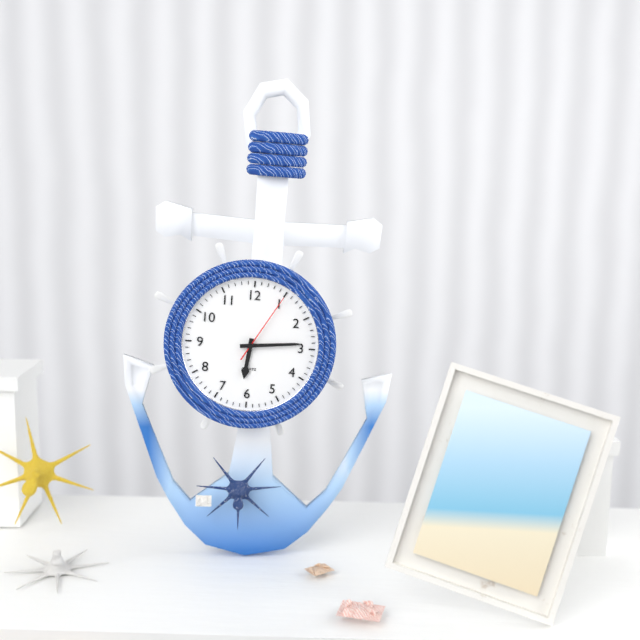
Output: 6h14m05s
